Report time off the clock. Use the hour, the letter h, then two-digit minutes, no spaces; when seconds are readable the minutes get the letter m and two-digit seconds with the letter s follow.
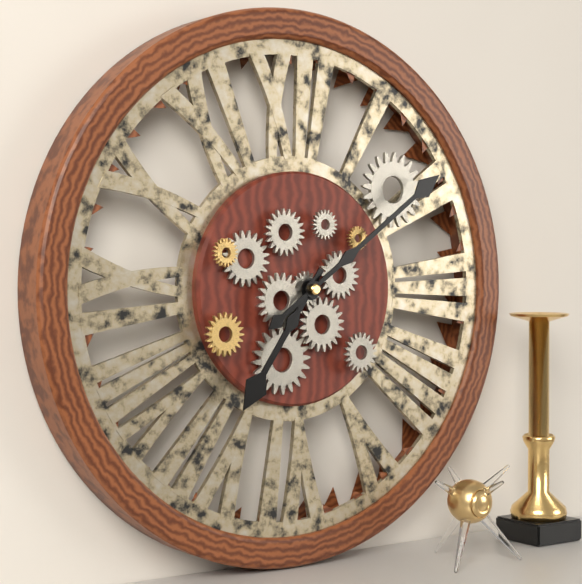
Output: 7h09
